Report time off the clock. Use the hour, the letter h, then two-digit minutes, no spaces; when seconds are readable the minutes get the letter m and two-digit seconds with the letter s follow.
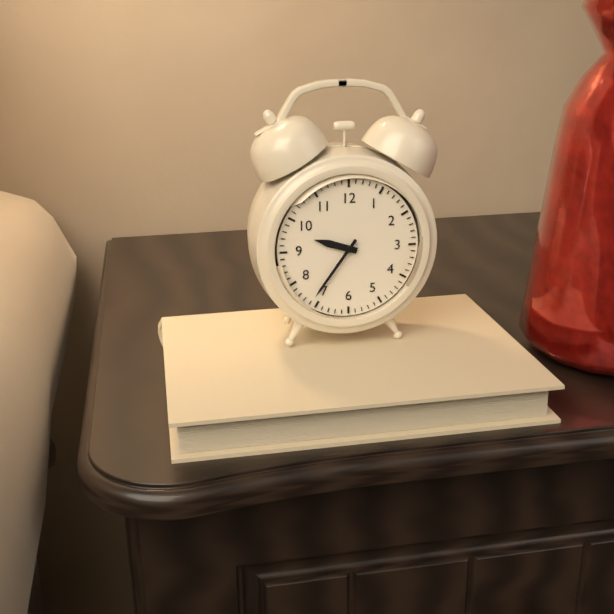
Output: 9h36
